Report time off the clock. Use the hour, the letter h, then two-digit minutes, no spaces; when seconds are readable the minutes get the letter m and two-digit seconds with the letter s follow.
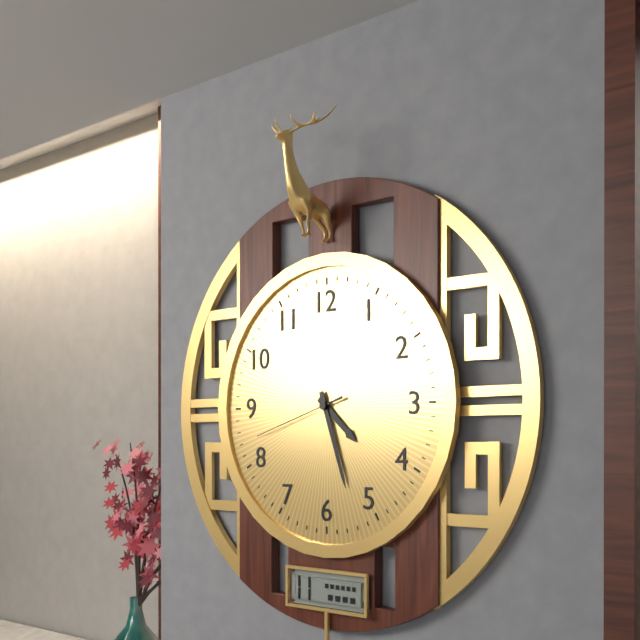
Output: 4h27m42s
